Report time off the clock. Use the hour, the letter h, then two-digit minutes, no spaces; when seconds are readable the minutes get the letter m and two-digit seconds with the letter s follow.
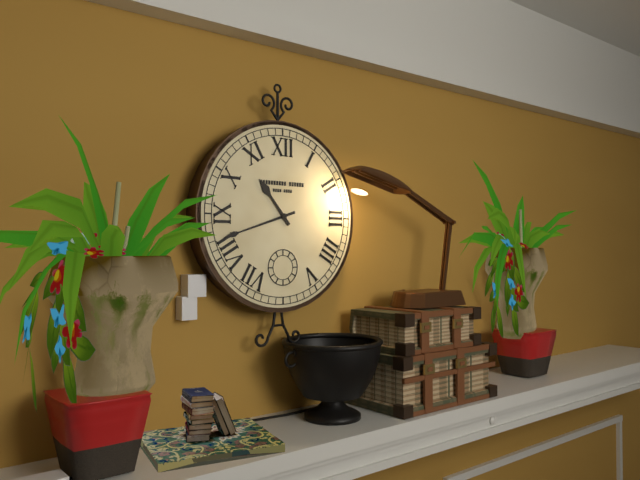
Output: 10h42
